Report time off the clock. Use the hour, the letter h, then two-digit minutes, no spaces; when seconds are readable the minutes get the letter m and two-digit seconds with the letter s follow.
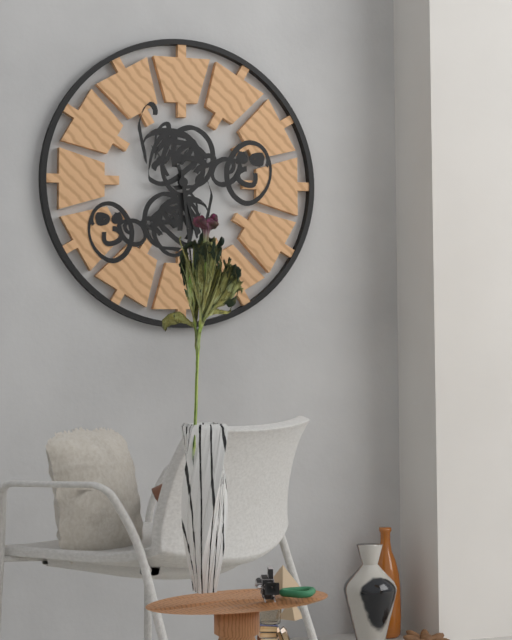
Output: 5h29
